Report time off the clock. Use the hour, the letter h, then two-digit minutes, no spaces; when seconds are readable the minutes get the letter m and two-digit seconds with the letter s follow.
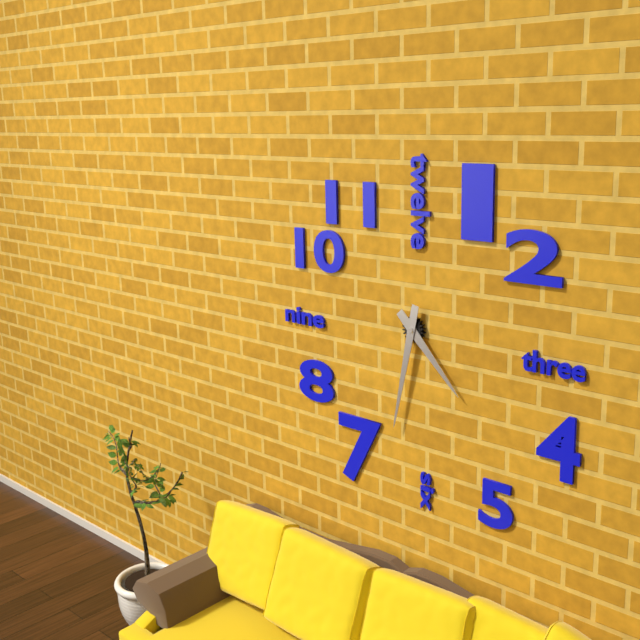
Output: 4h32
